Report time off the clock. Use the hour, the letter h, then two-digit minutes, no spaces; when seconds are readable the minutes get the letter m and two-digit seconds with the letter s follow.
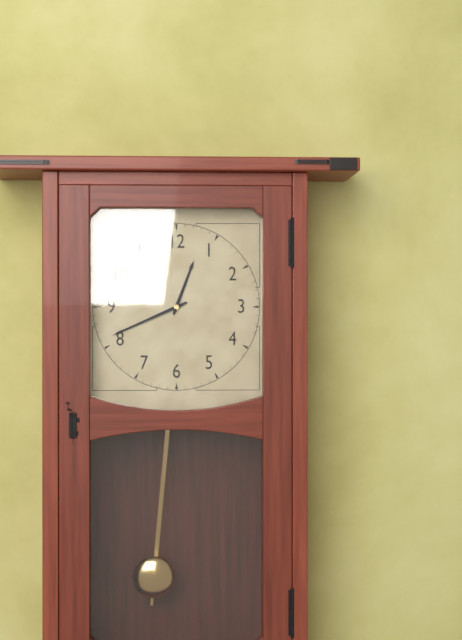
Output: 12h41
